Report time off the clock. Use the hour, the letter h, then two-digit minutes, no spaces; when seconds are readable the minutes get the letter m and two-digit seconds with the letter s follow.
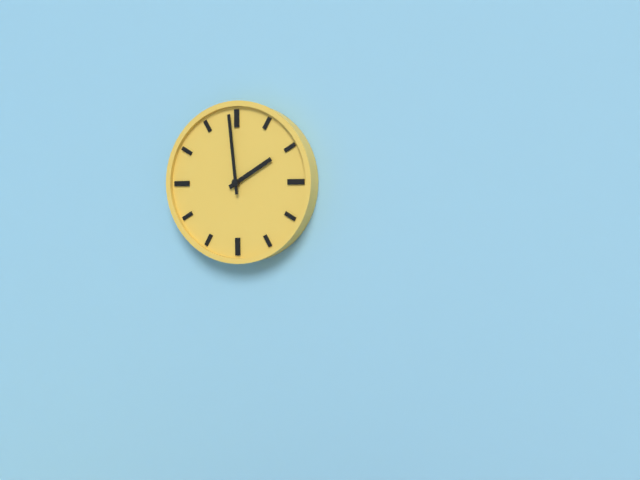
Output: 1h59
